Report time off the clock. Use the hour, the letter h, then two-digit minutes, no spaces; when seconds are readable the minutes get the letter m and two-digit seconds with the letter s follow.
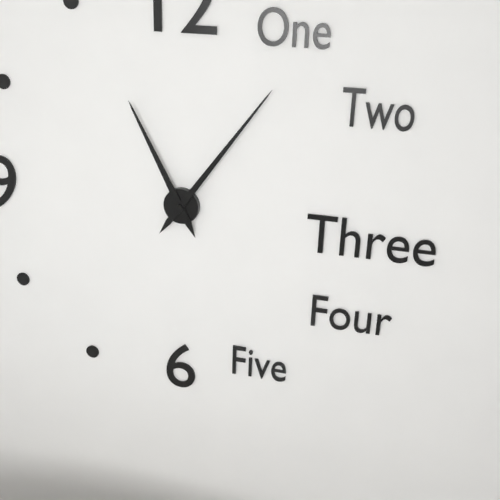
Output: 11h06
